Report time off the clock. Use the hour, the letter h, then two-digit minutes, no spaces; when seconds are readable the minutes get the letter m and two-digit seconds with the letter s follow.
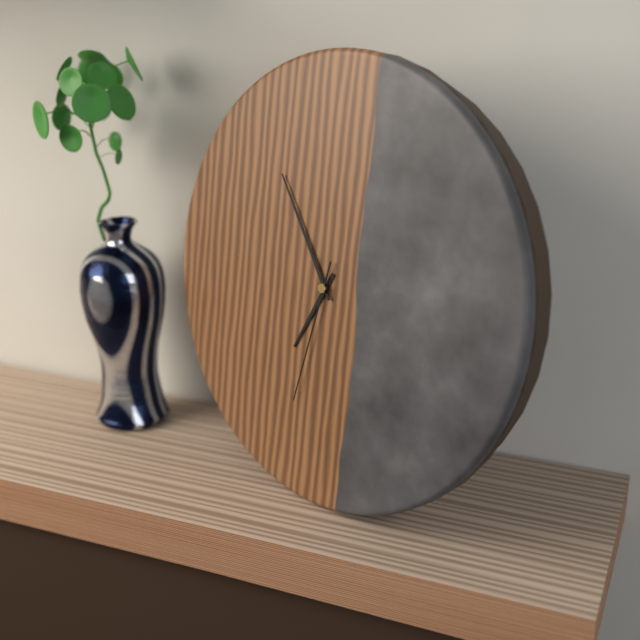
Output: 6h54m32s
